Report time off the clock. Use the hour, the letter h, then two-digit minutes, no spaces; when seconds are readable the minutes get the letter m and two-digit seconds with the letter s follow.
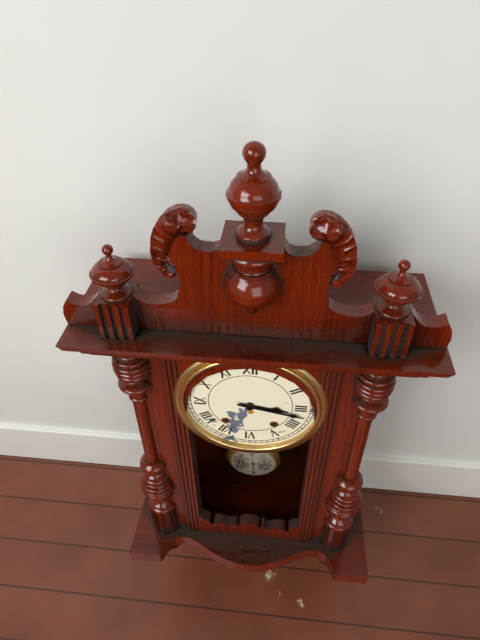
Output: 3h17
